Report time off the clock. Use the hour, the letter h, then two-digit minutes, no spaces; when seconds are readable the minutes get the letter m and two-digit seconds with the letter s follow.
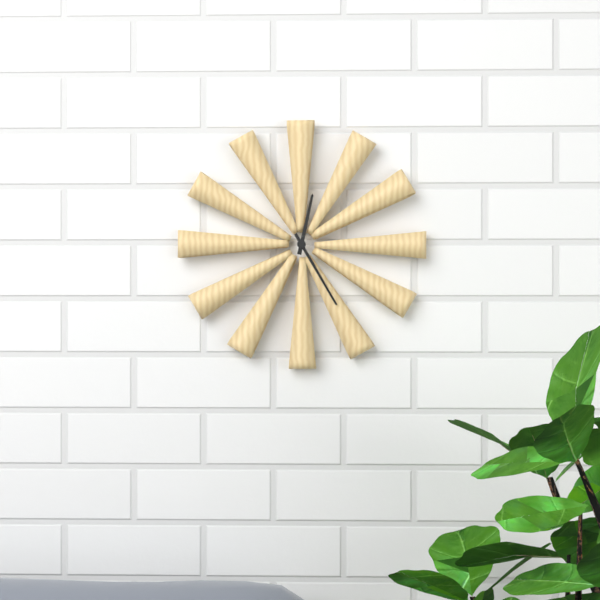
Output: 12h25
